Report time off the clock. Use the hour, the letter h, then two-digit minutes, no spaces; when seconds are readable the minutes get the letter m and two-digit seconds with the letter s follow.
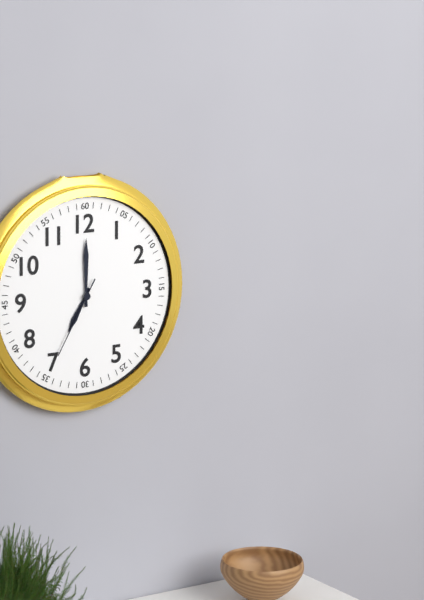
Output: 7h00m35s
